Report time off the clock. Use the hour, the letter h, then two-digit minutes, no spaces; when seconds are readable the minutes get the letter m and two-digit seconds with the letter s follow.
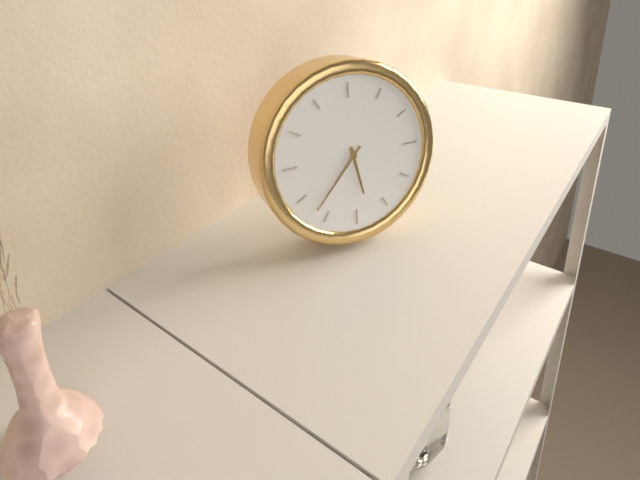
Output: 5h37
